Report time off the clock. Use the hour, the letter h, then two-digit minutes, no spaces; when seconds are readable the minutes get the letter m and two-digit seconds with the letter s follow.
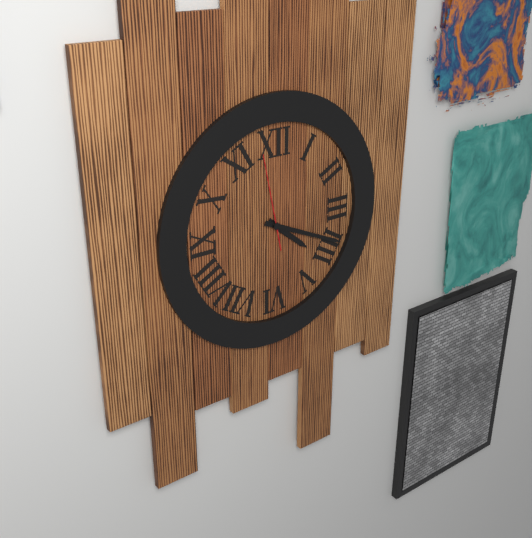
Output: 4h19m58s
